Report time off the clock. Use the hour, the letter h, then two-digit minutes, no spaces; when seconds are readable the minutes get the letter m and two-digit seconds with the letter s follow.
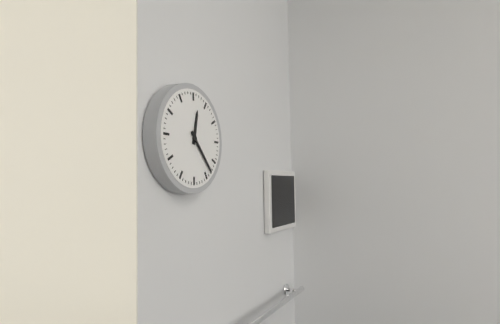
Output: 12h23
